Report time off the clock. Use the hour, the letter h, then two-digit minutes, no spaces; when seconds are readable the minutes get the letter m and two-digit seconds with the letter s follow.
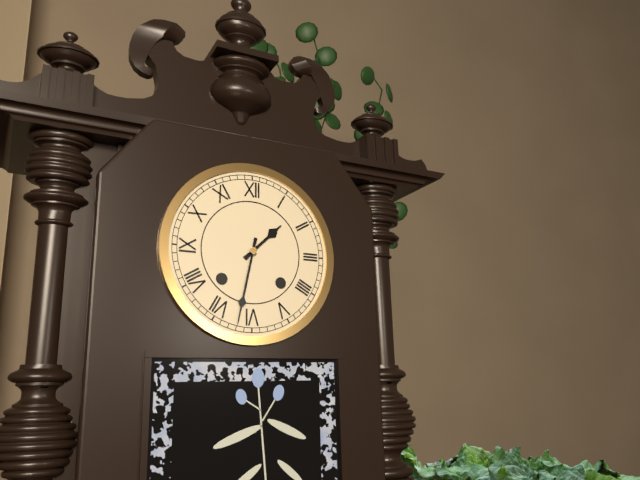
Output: 1h32
